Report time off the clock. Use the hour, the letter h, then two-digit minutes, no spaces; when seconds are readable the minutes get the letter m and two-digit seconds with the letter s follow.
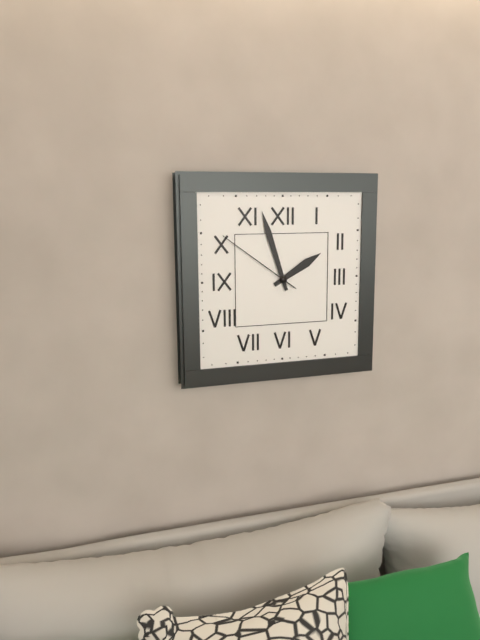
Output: 1h57m51s
